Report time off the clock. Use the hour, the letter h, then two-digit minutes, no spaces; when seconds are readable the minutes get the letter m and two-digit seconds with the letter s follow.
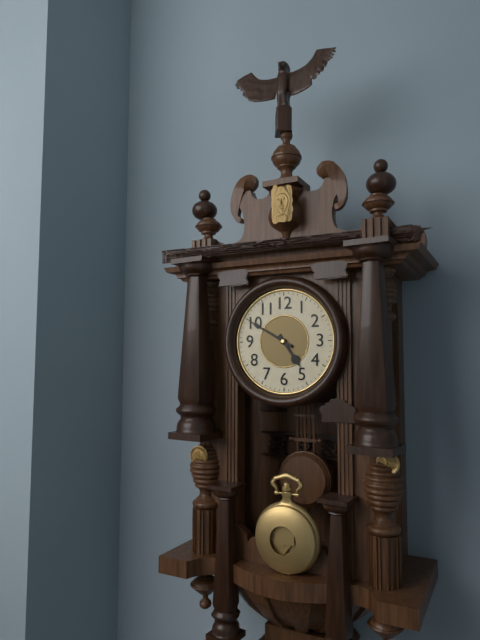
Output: 4h50
